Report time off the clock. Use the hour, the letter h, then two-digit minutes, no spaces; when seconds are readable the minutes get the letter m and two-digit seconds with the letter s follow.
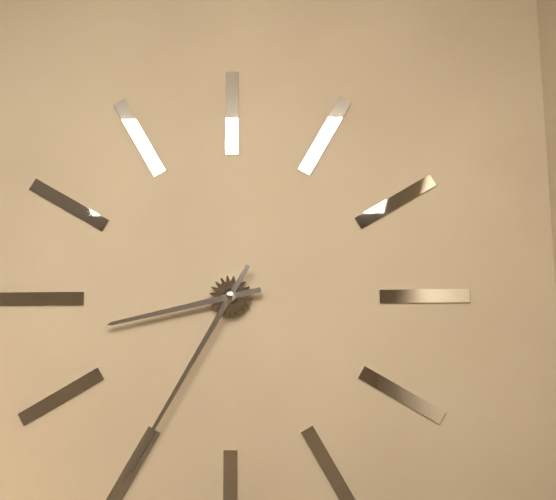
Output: 8h35
